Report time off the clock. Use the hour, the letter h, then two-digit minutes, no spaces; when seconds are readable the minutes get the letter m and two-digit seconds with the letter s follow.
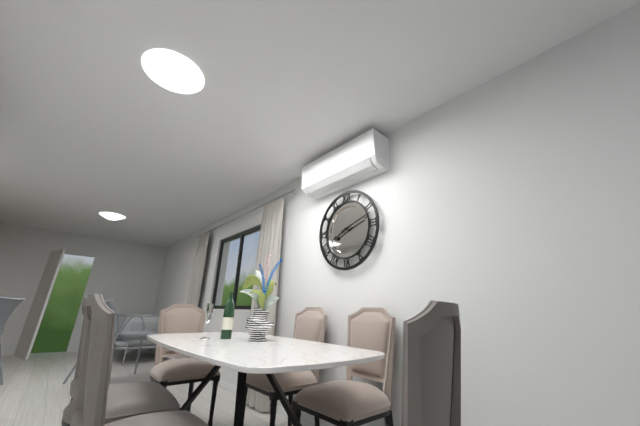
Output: 8h12
